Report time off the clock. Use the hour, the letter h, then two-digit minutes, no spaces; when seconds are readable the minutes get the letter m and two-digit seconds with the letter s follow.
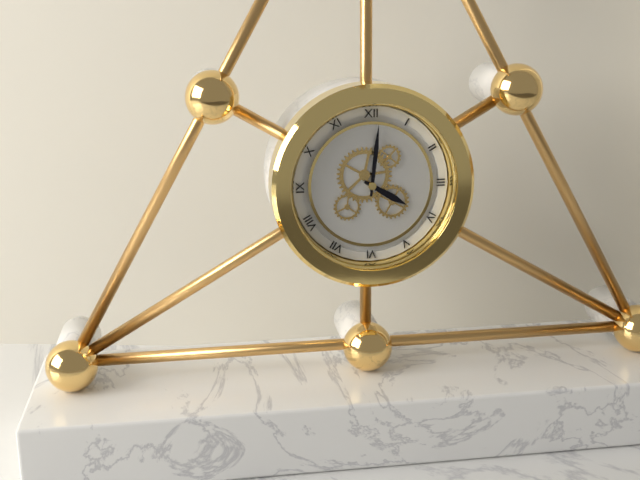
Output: 4h01
